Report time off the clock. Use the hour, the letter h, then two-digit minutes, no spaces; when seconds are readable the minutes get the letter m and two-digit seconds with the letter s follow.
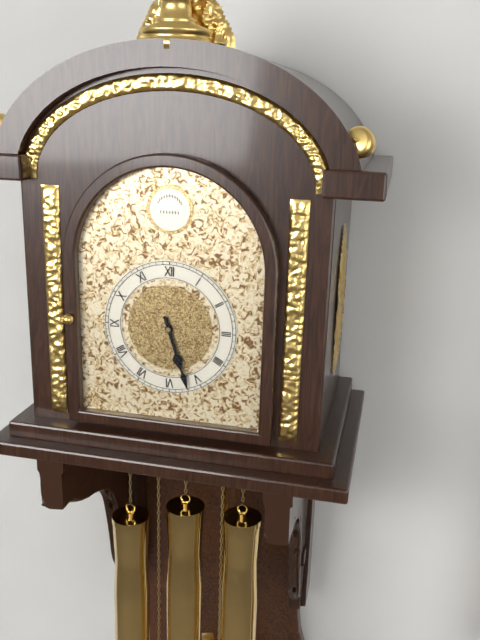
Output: 5h27
